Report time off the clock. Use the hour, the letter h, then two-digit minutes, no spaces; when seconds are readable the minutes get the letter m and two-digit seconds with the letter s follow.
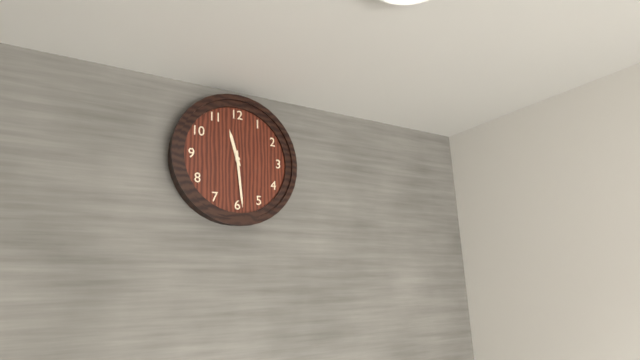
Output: 11h29
